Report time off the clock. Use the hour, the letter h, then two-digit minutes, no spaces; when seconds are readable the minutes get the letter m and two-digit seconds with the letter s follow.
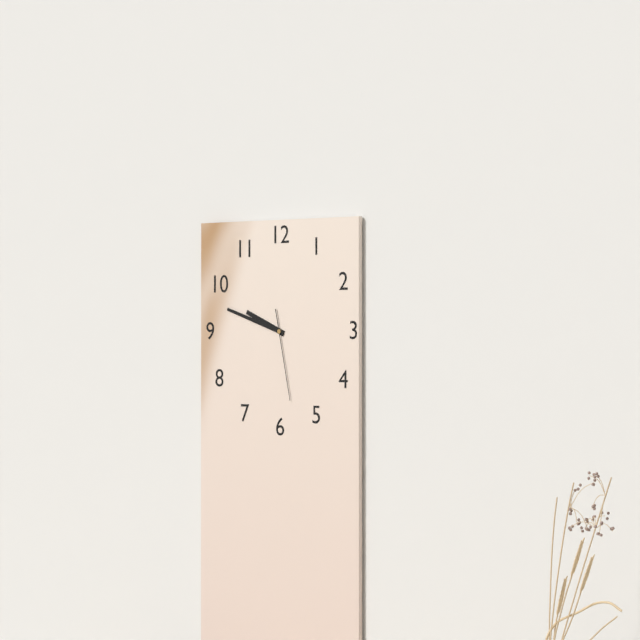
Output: 9h48m28s
